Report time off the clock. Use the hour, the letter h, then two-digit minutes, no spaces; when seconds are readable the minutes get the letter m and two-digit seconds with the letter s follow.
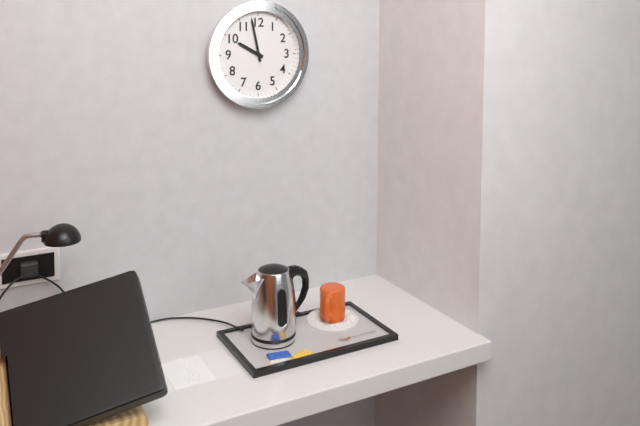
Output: 9h58
